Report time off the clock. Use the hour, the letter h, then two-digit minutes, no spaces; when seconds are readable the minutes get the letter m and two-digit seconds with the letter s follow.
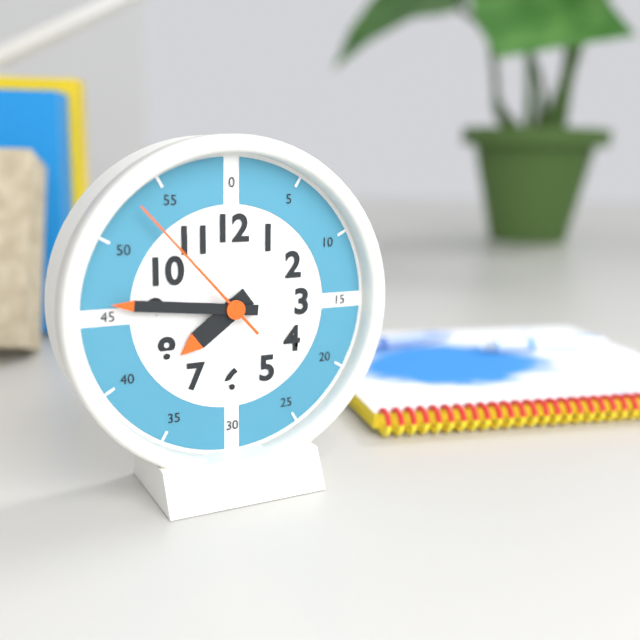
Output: 7h46m53s
